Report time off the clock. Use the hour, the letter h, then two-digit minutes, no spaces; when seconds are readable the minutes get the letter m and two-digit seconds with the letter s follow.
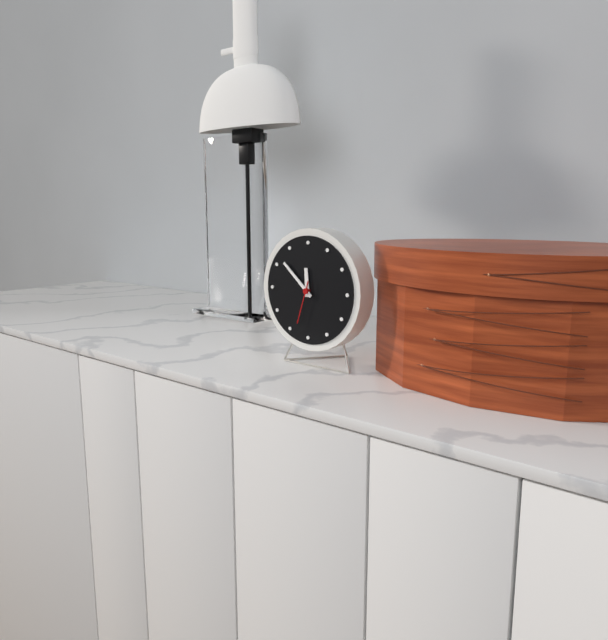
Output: 11h52
